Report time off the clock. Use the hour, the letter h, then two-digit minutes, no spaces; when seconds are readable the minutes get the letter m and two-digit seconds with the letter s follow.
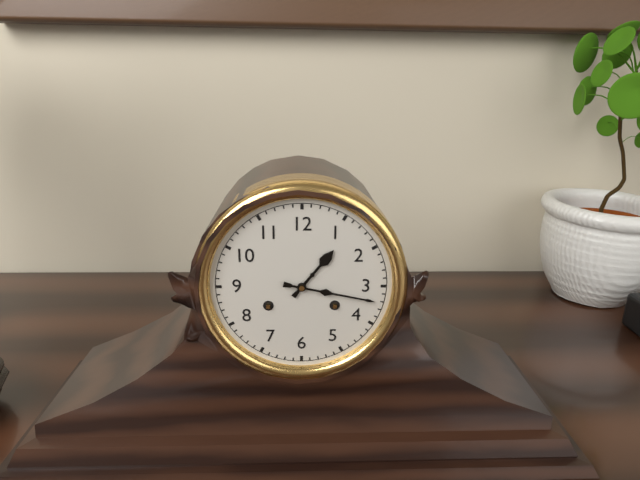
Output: 1h17
